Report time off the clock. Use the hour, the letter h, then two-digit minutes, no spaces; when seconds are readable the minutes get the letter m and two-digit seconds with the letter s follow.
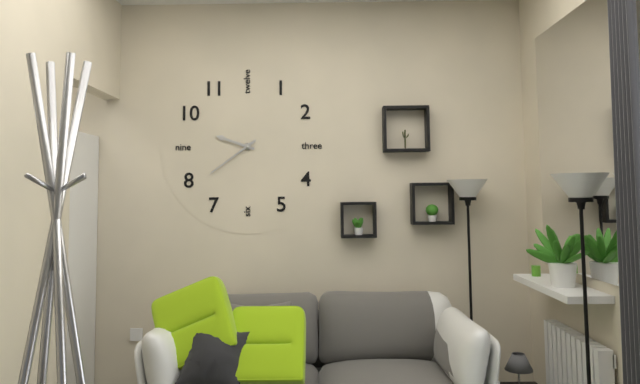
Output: 9h39
